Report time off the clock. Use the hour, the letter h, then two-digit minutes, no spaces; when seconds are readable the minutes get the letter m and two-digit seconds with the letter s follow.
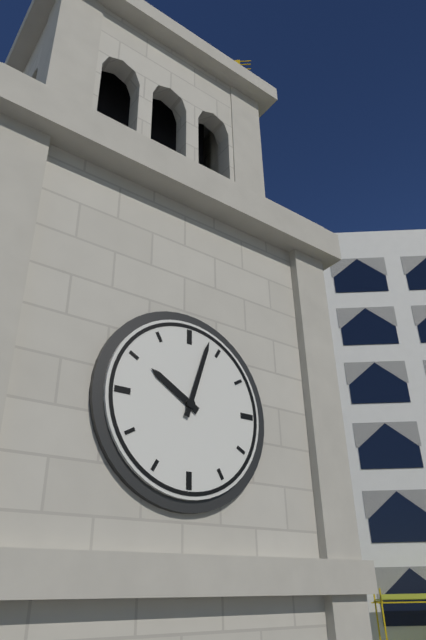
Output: 10h03
